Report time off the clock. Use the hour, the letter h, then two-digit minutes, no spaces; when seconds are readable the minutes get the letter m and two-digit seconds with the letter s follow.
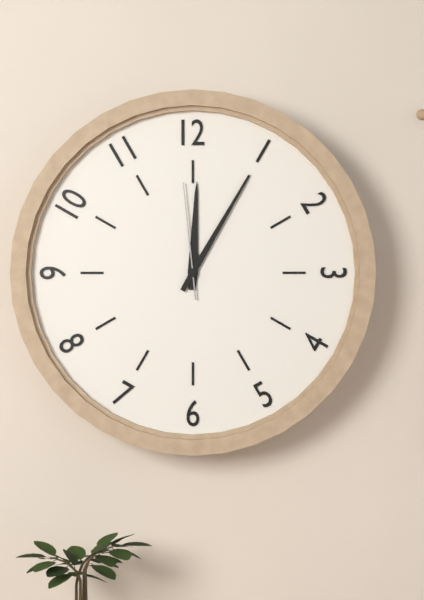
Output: 12h05m59s
